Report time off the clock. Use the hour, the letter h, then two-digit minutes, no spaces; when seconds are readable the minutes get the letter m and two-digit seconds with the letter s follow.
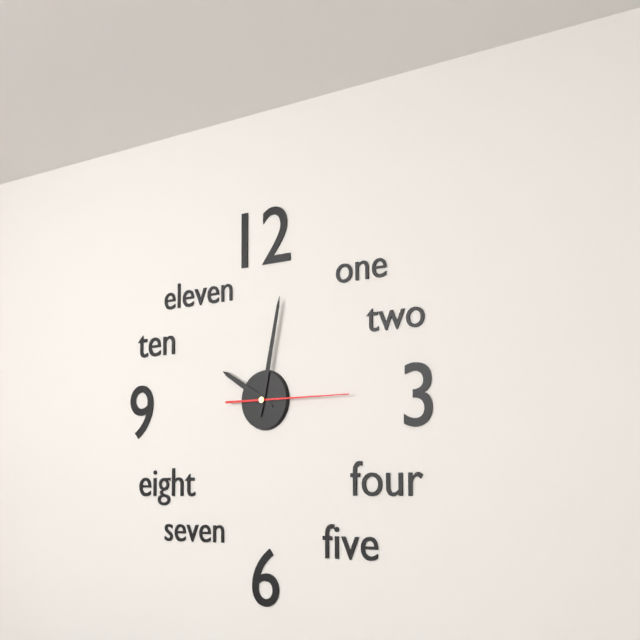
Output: 10h02m15s
